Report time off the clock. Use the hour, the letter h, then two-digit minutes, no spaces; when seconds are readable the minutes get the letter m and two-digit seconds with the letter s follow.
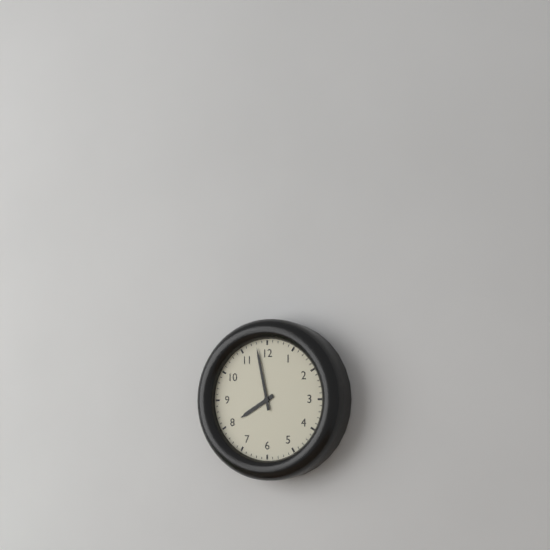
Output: 7h58
